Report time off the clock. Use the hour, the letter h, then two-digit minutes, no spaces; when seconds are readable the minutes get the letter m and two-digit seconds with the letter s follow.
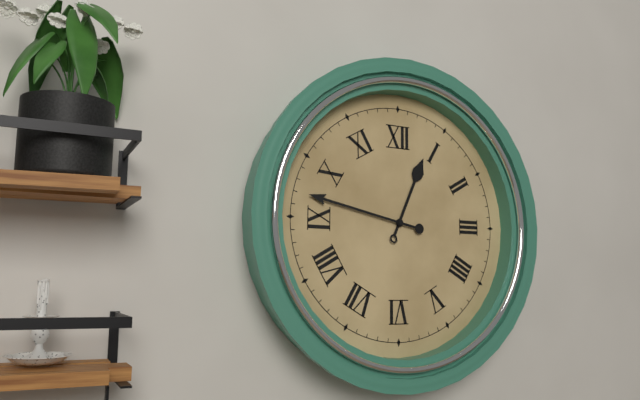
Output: 12h47
